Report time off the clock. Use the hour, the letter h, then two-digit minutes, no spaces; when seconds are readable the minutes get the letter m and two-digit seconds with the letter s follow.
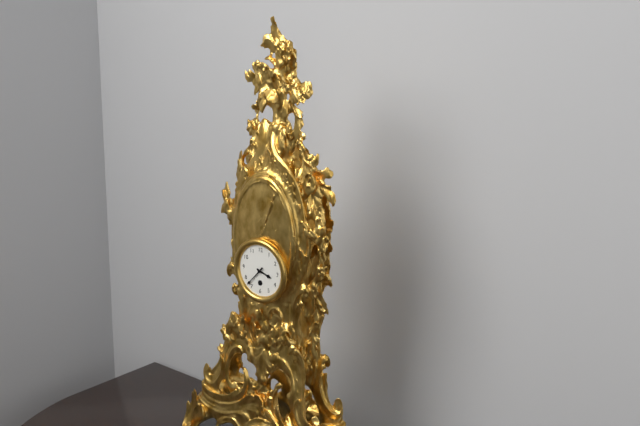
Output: 3h37
